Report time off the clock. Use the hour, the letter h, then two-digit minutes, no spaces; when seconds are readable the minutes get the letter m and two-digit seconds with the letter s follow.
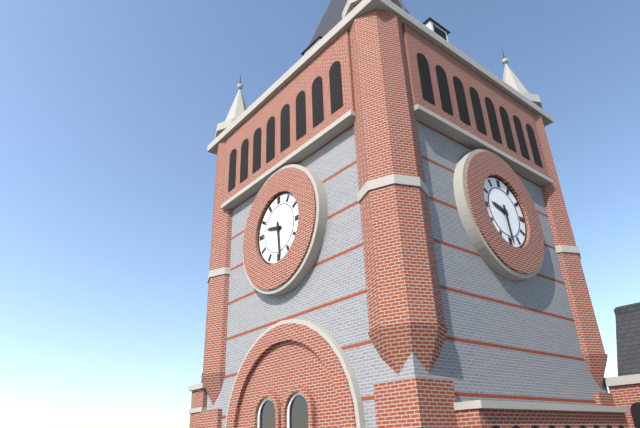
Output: 9h29
